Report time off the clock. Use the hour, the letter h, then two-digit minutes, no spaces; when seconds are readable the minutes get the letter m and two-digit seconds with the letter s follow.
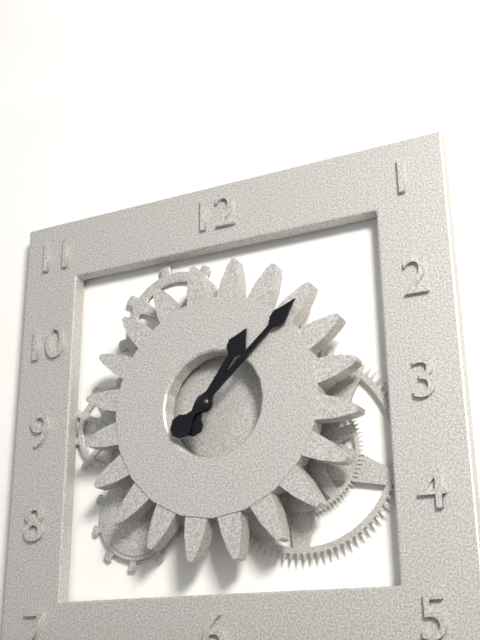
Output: 1h08
